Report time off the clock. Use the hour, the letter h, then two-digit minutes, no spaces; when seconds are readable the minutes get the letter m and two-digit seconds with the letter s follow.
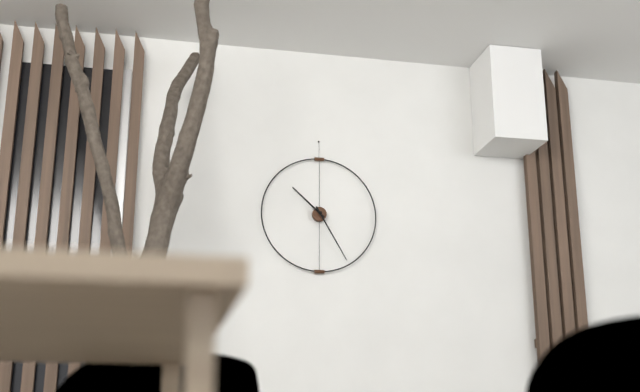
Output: 10h25
